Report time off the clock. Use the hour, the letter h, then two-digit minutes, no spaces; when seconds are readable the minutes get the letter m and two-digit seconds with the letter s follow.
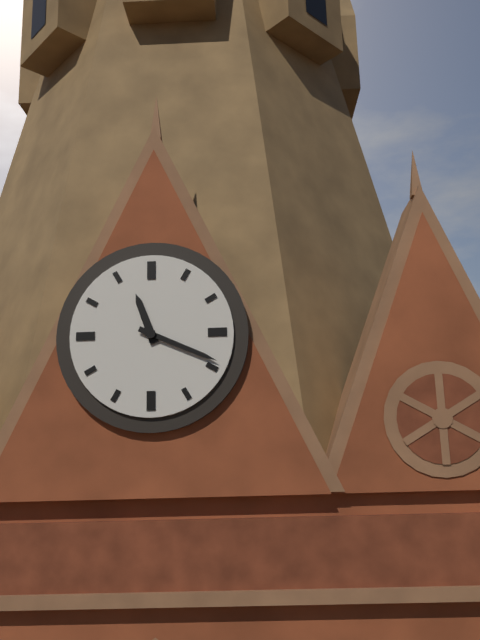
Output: 11h19
